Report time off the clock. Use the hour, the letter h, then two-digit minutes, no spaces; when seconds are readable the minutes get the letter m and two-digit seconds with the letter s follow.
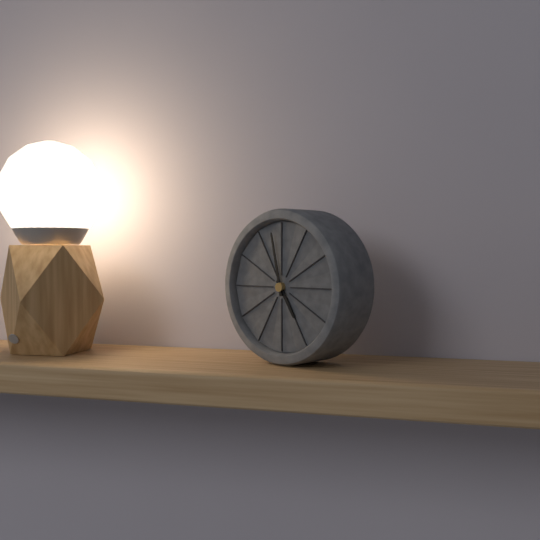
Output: 4h58
